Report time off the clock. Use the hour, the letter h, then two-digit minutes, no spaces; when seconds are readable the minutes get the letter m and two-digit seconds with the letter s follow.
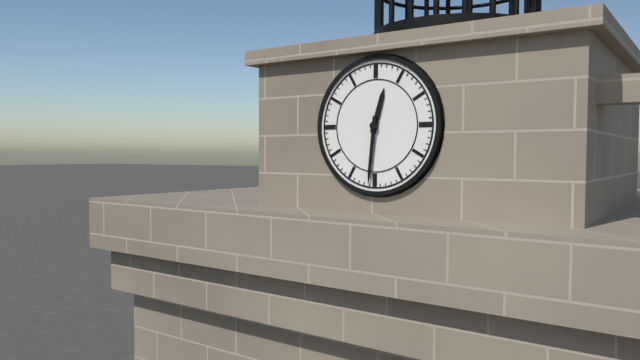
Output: 12h31
